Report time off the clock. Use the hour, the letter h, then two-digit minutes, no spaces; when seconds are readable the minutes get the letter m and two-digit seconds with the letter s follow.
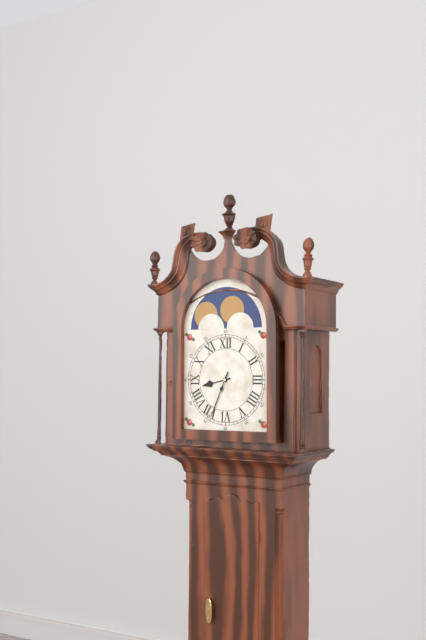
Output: 8h34
